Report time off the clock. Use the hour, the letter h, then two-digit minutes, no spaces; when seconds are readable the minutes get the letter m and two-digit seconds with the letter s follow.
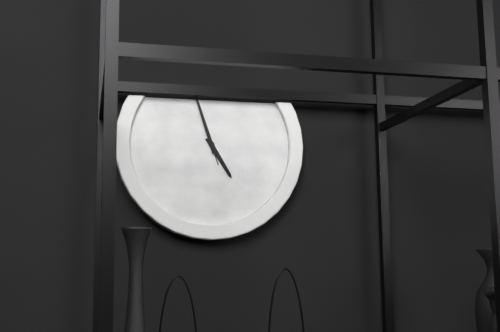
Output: 4h57m57s
